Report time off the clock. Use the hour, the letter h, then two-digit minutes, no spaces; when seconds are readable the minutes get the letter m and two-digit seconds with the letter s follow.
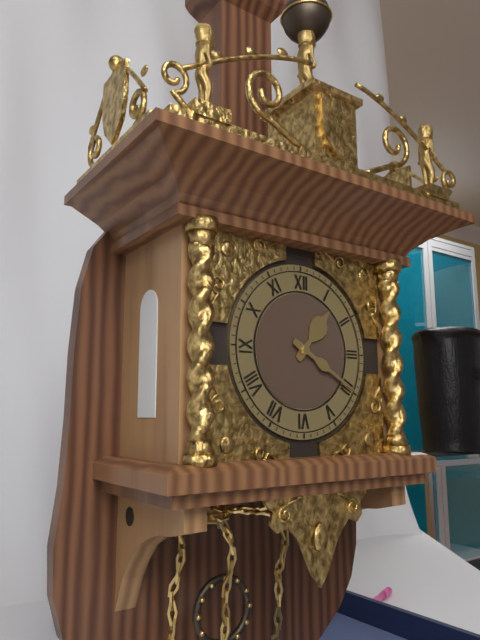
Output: 1h20
